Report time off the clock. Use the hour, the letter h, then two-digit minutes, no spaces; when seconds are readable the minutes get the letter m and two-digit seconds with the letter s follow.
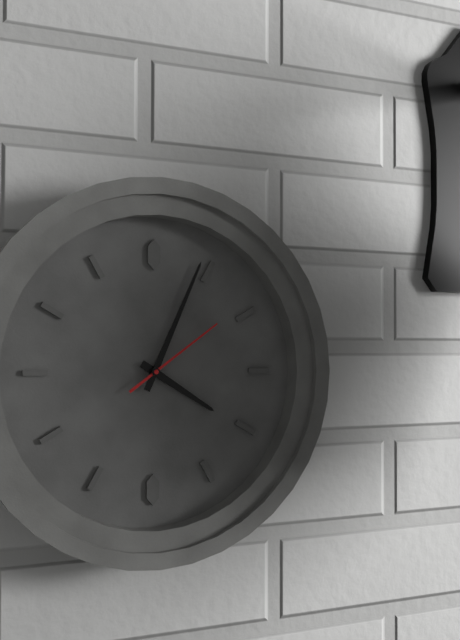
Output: 4h04m09s
